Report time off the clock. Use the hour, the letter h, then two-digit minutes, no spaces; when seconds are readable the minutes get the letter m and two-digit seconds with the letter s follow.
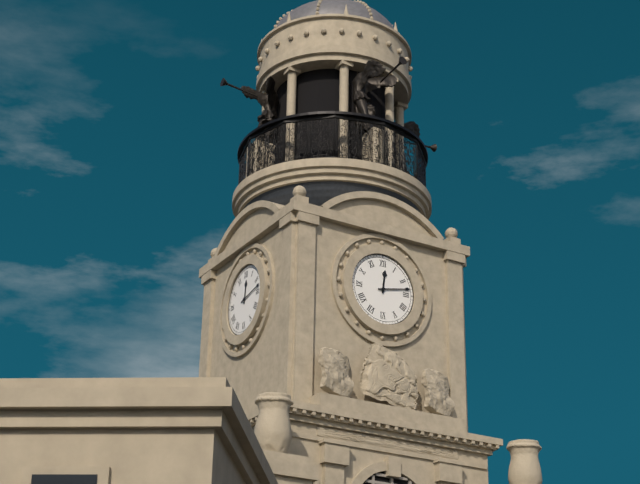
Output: 12h13
